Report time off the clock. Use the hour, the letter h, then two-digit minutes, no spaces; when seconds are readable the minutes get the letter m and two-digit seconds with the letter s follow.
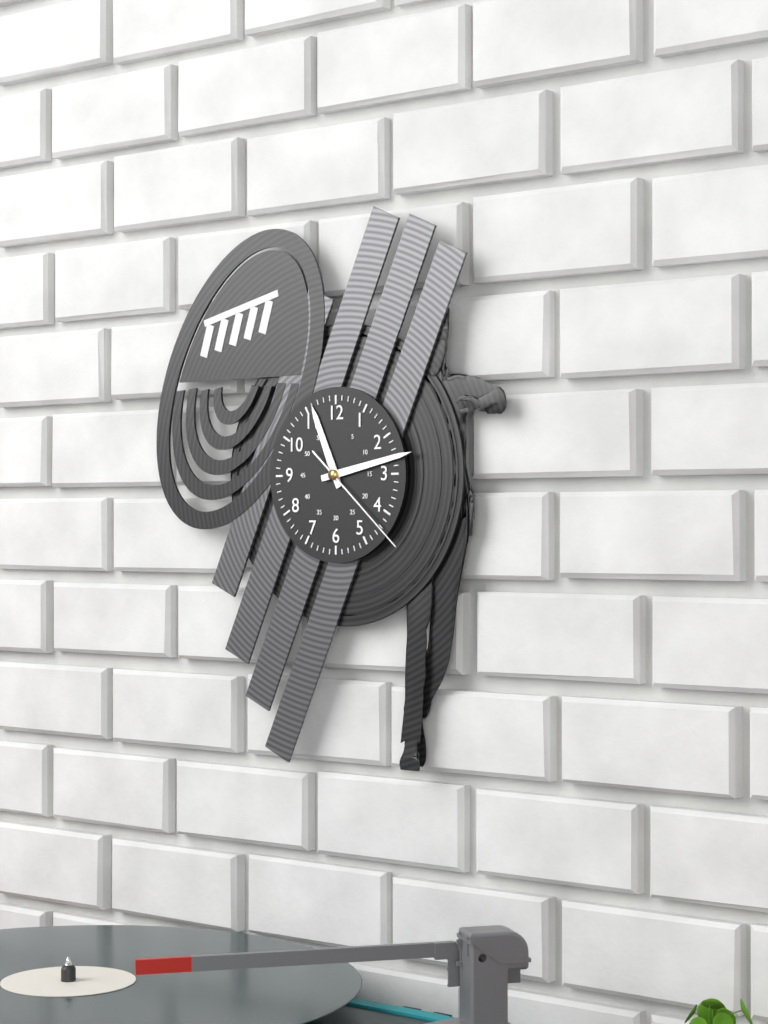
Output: 11h13m22s
